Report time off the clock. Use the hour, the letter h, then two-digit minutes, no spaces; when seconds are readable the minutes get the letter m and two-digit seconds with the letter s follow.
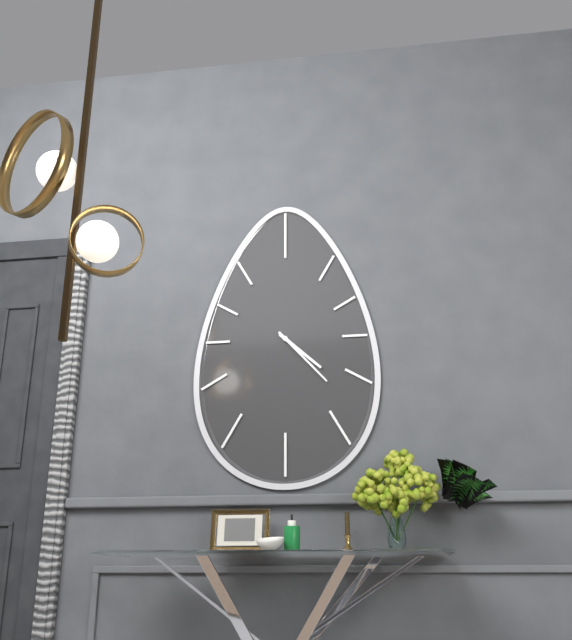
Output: 4h23
